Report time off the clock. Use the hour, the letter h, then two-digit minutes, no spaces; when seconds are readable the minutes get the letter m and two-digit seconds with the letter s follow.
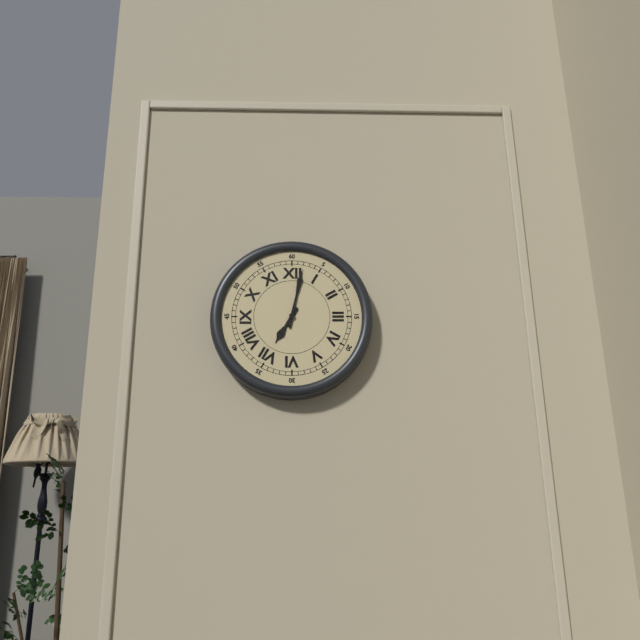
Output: 7h02
